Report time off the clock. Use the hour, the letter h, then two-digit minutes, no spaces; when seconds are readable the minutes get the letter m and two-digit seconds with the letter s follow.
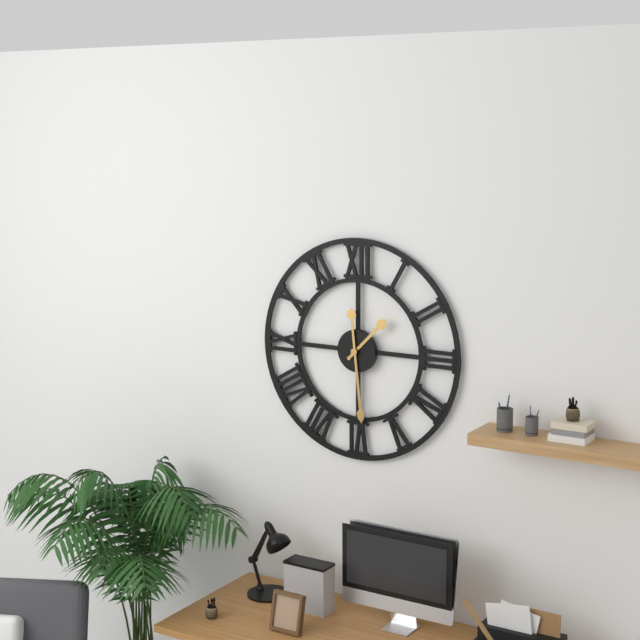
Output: 1h29
